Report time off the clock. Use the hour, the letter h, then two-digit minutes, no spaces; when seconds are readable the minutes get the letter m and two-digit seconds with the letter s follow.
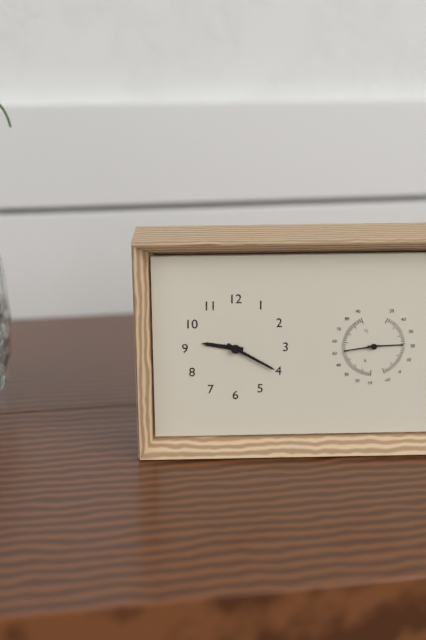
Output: 9h20
